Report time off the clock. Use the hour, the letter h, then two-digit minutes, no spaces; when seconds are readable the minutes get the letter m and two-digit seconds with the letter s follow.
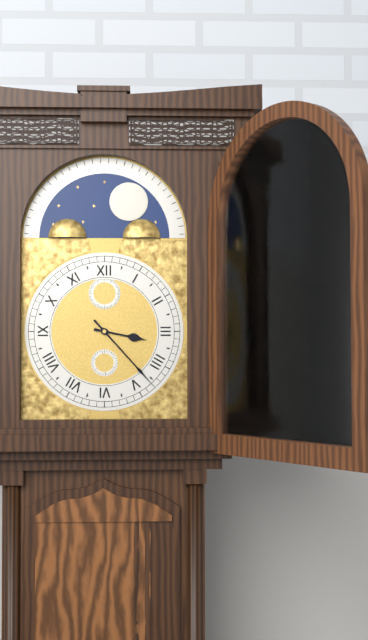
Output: 3h23
